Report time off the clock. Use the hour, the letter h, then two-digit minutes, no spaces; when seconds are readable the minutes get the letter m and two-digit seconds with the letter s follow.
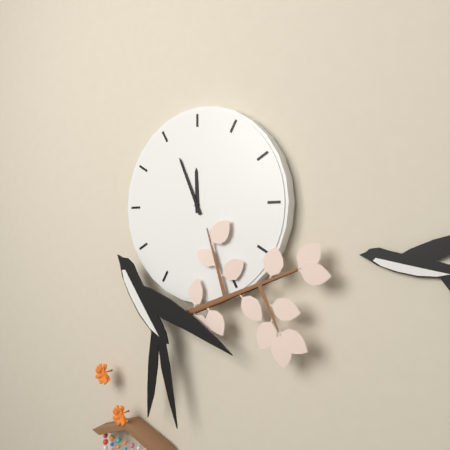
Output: 11h56
